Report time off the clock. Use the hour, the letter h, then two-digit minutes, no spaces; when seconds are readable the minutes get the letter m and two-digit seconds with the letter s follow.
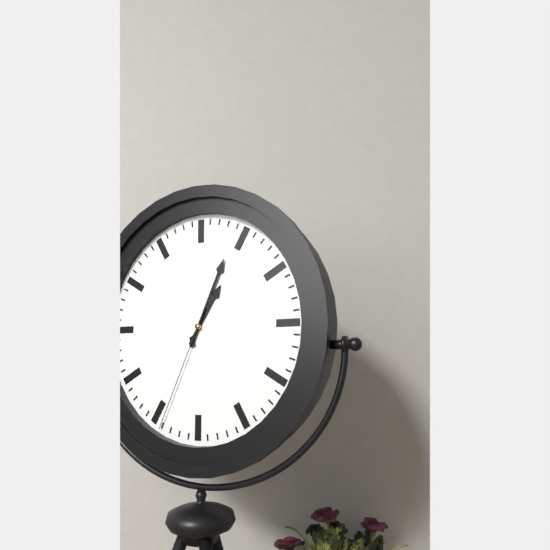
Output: 1h04m34s
